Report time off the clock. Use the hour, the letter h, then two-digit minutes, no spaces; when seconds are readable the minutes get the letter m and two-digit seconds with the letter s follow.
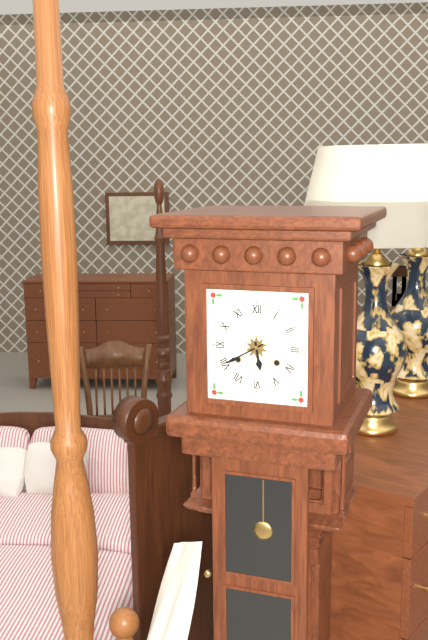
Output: 5h40
